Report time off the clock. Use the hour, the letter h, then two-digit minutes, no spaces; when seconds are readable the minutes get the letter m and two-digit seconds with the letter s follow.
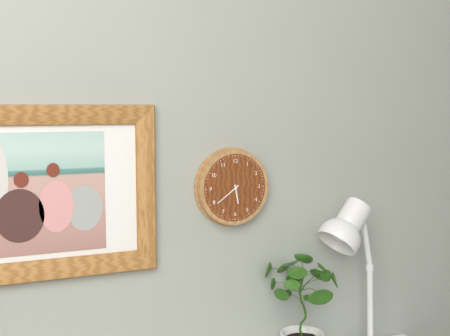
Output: 5h39
